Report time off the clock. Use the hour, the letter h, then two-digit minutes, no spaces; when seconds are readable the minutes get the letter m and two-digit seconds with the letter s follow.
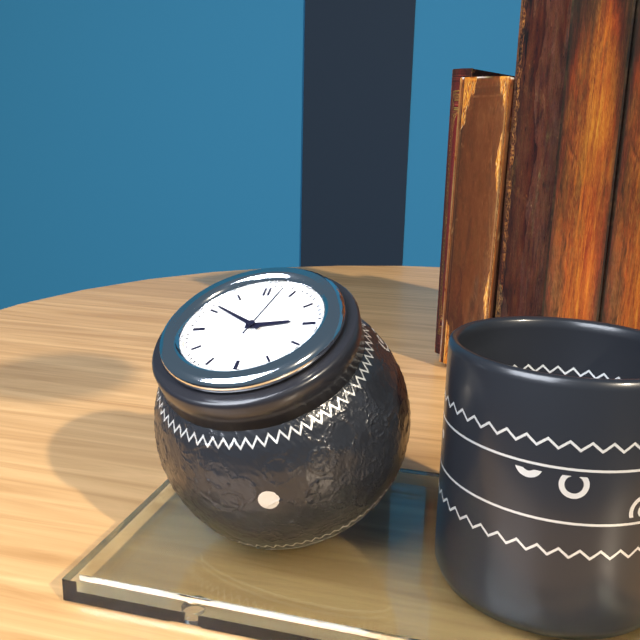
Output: 2h51m03s
